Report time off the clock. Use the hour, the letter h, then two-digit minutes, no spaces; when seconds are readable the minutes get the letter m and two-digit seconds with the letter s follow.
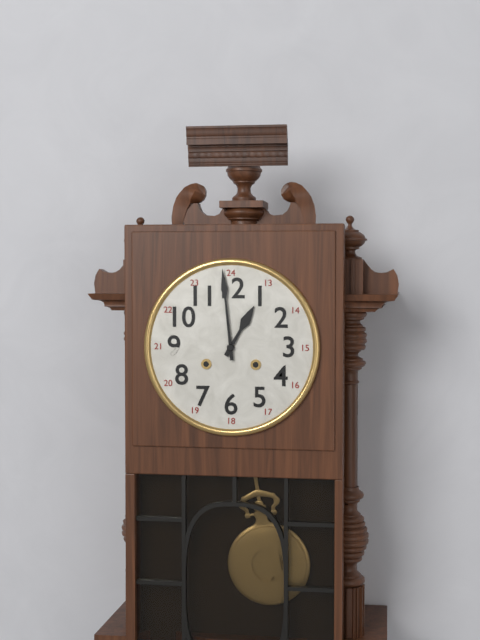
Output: 12h59
